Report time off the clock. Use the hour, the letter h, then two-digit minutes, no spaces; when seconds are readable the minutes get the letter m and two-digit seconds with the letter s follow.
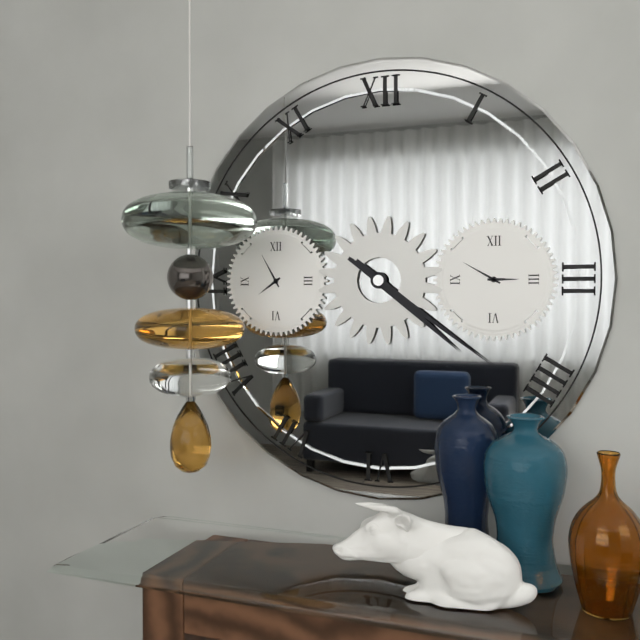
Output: 4h21
